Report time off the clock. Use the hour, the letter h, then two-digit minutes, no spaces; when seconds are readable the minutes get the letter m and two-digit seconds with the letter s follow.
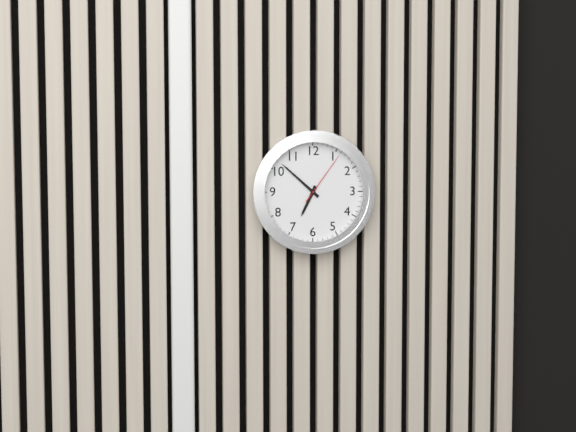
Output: 6h52m06s
